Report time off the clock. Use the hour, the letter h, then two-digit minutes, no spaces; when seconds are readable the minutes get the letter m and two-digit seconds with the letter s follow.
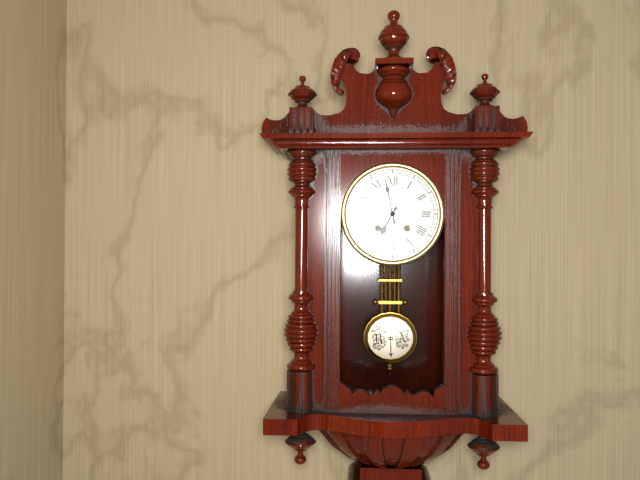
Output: 6h58
